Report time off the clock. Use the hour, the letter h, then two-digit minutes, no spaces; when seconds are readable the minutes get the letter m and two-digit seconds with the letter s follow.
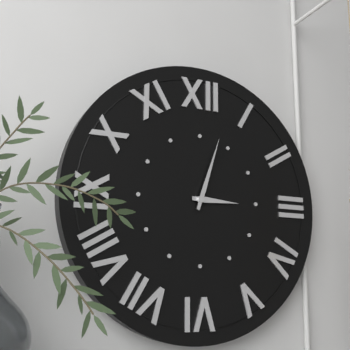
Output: 3h03
